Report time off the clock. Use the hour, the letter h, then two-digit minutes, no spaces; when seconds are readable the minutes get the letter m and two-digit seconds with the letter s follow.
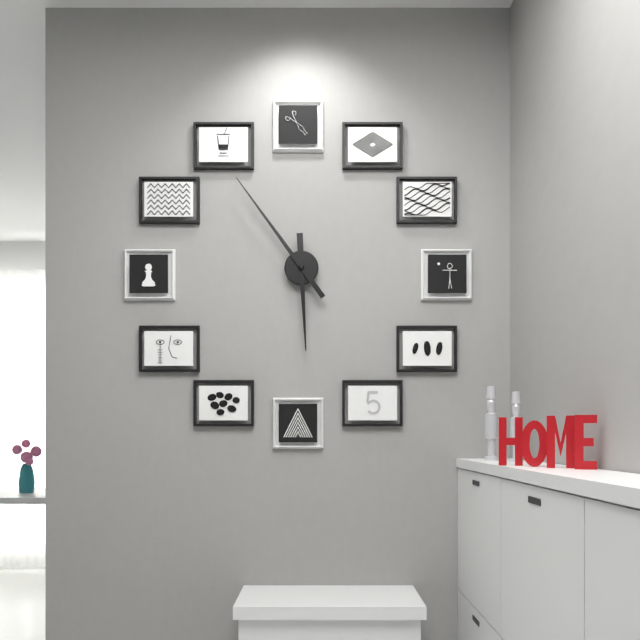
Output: 5h54
